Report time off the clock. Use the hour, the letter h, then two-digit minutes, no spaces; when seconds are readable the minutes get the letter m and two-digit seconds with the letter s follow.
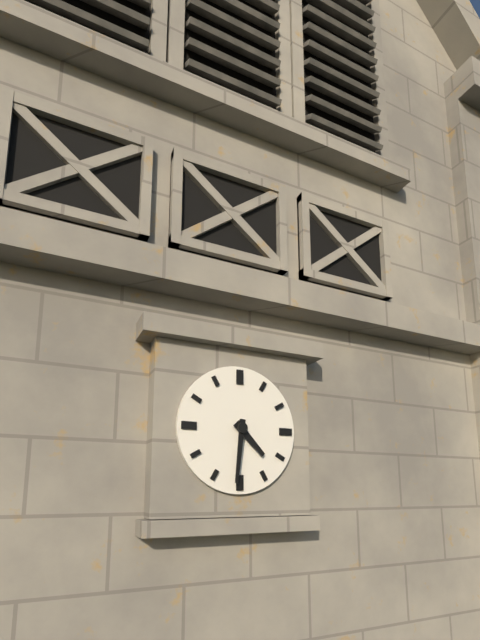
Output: 4h31
